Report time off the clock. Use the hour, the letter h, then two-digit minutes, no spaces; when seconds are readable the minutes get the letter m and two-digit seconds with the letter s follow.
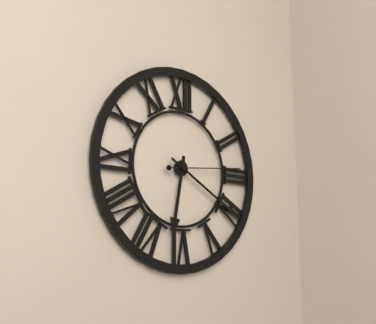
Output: 6h20m14s
